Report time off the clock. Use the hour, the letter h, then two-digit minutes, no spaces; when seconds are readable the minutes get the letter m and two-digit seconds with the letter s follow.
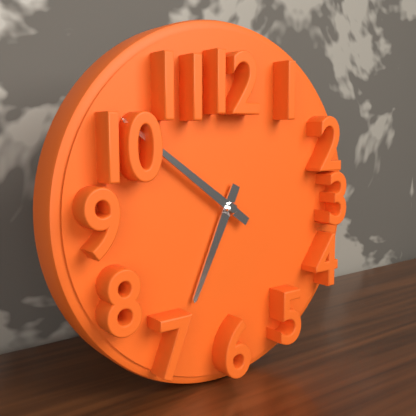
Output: 6h51
